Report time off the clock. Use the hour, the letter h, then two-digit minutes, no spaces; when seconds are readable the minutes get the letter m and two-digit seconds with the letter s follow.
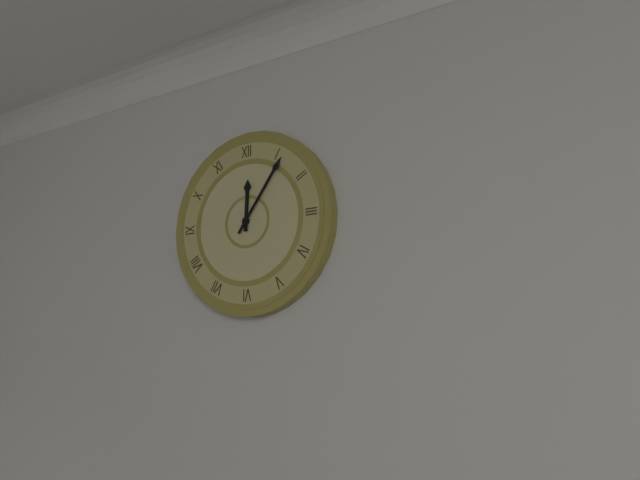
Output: 12h06
